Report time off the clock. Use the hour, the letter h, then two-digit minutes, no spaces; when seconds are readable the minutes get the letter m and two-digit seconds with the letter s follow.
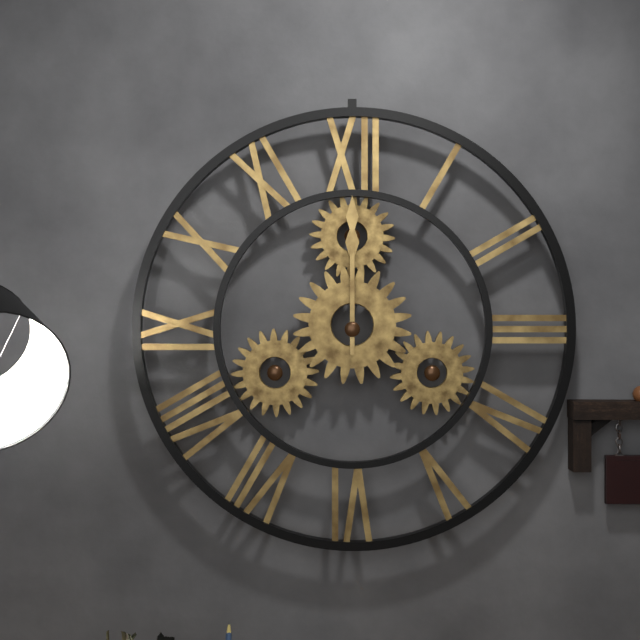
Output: 12h00
